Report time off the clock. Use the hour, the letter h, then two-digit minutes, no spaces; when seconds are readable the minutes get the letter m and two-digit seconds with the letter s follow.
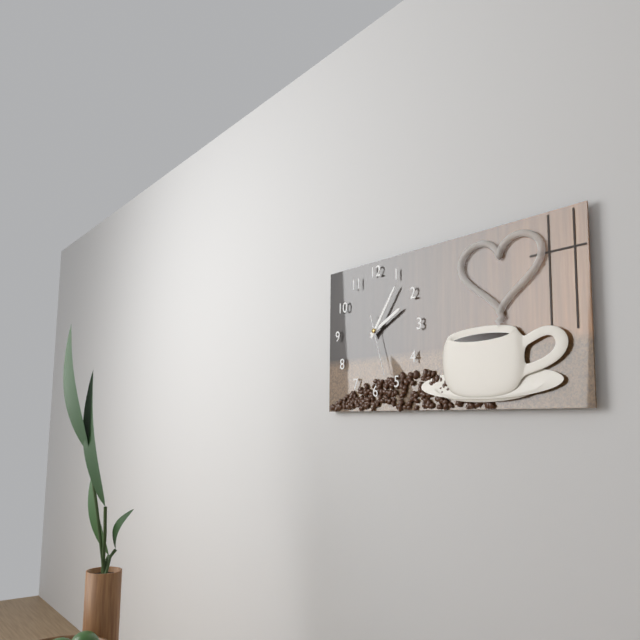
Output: 2h06m27s
